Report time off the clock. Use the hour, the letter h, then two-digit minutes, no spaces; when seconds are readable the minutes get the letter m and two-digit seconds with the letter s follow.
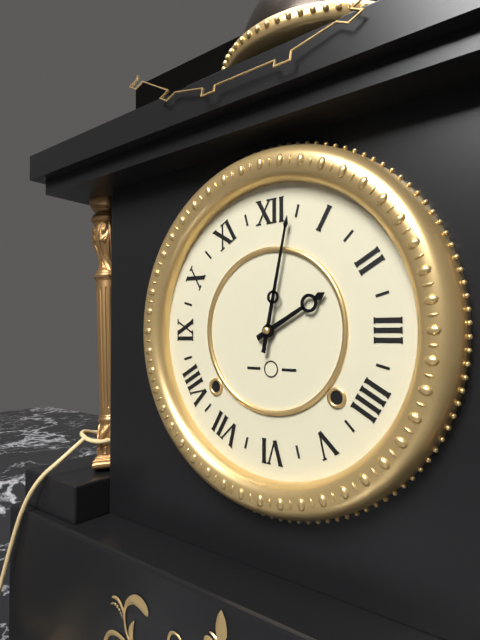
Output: 2h02
